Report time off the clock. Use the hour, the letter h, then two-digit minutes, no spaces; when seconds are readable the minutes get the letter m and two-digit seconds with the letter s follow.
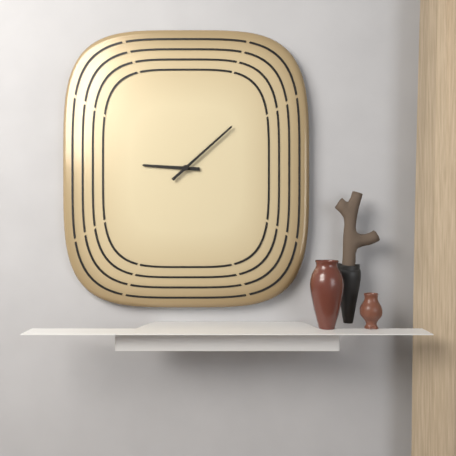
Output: 9h08
